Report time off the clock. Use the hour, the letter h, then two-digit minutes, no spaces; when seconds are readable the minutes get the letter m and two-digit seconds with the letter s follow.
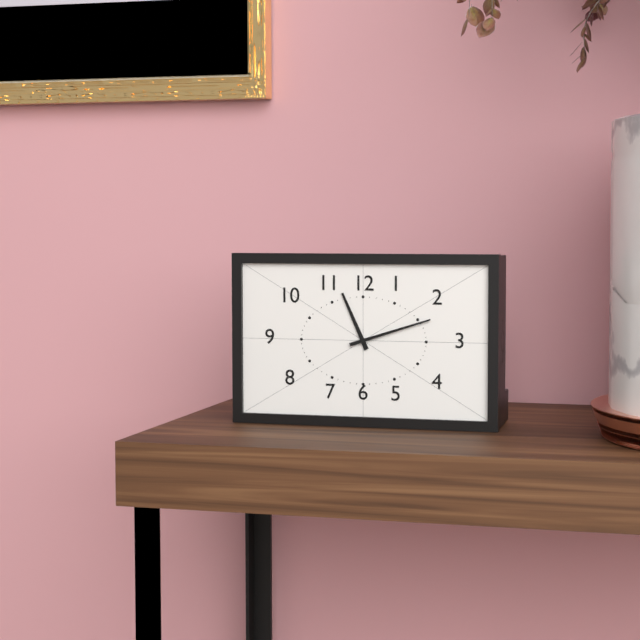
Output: 11h12
